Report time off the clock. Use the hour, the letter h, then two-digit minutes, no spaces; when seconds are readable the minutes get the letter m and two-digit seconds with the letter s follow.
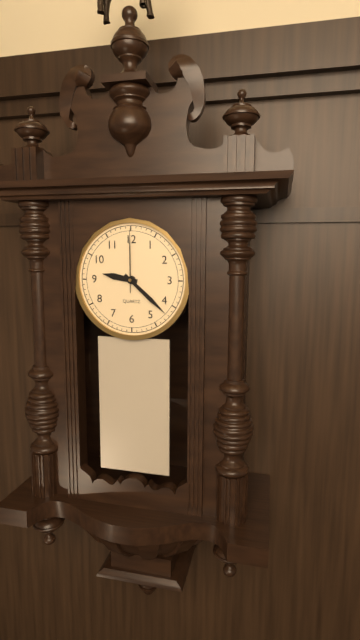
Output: 9h22m00s
